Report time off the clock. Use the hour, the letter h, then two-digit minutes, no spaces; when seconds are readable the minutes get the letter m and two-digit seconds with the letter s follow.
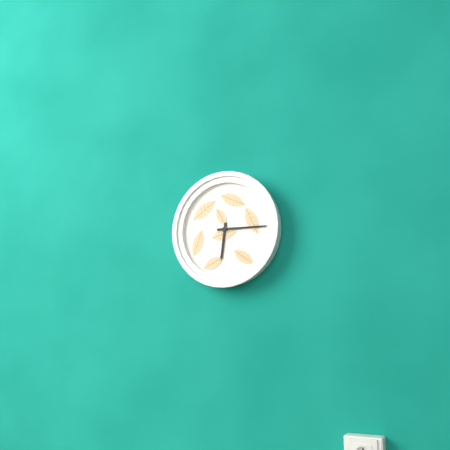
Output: 6h15
